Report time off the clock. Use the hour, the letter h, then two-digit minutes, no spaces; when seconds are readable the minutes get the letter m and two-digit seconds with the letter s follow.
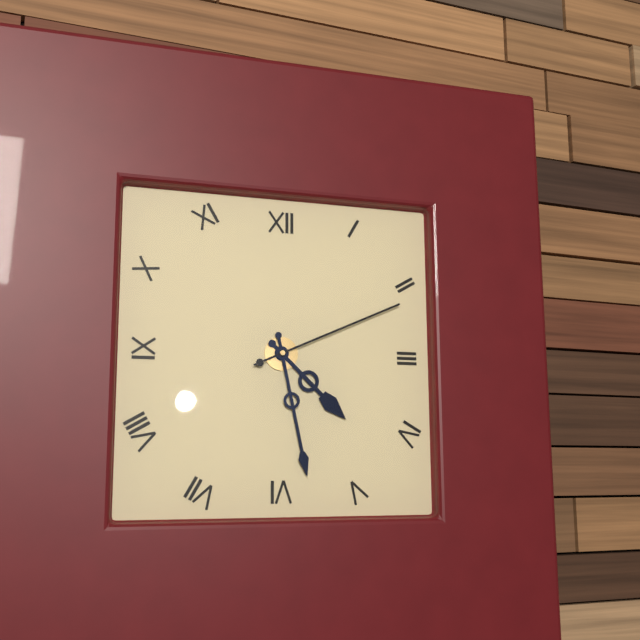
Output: 4h28m11s
